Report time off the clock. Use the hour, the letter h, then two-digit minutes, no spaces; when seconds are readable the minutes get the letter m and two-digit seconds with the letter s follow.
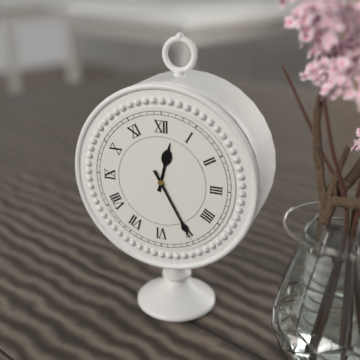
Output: 12h25
